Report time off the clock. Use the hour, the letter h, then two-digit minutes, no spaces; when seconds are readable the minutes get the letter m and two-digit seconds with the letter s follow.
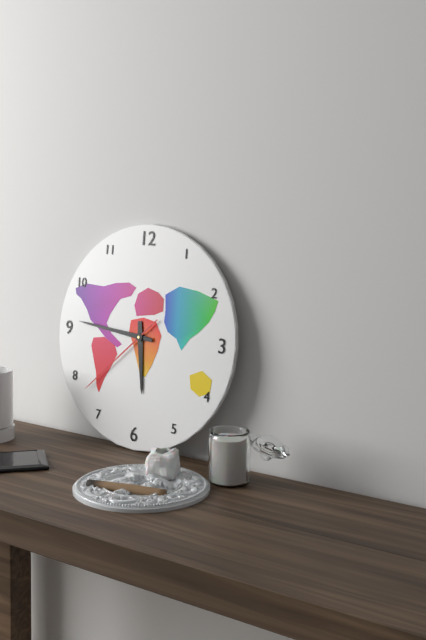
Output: 5h46m38s
